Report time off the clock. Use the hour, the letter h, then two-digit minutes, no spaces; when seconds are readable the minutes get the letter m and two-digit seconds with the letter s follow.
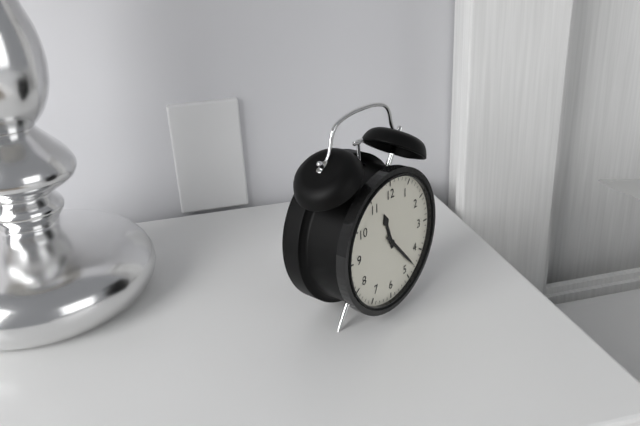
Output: 11h23
